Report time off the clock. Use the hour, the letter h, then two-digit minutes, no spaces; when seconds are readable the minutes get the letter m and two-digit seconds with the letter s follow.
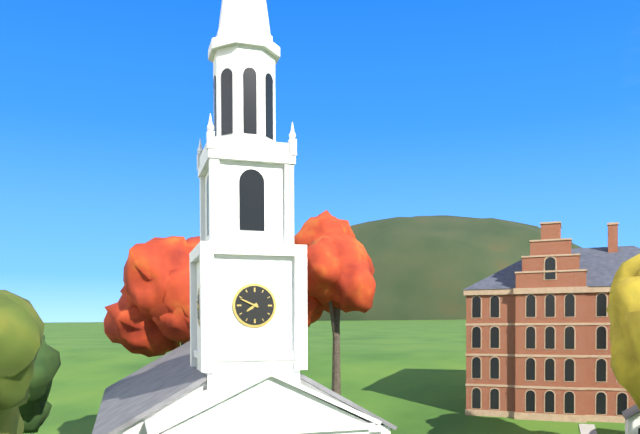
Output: 7h49
